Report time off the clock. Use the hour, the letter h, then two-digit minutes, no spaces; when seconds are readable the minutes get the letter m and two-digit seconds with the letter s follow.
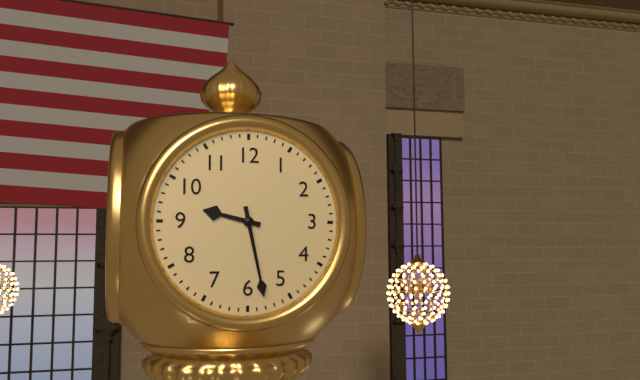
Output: 9h28
